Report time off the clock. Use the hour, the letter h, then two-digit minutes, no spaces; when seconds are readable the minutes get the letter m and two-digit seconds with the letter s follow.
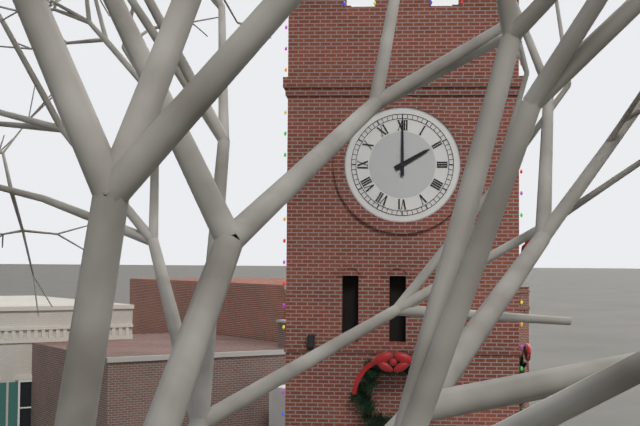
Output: 2h00
